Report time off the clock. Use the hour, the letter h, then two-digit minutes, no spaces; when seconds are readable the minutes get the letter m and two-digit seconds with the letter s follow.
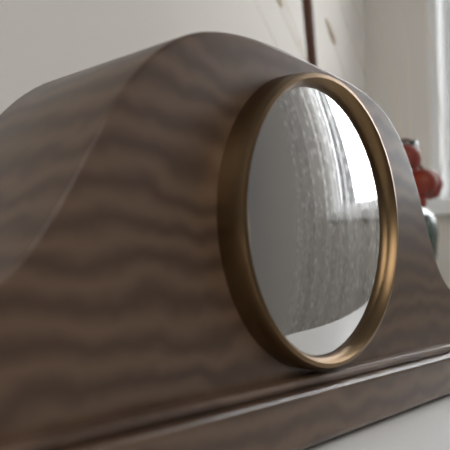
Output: 12h38
